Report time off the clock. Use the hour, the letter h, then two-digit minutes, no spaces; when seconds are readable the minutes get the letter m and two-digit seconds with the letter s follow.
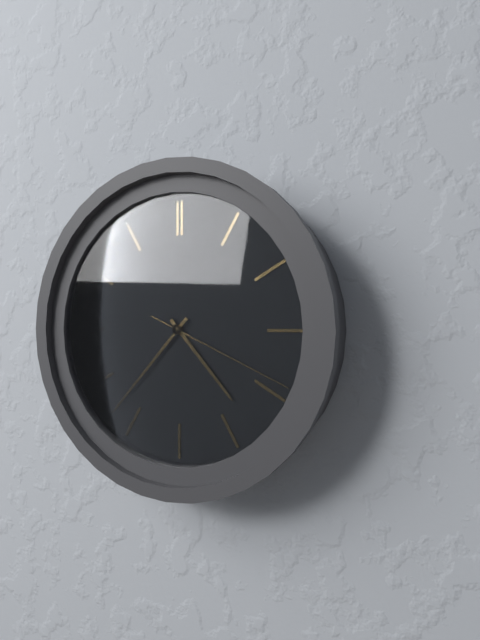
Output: 4h37m19s
